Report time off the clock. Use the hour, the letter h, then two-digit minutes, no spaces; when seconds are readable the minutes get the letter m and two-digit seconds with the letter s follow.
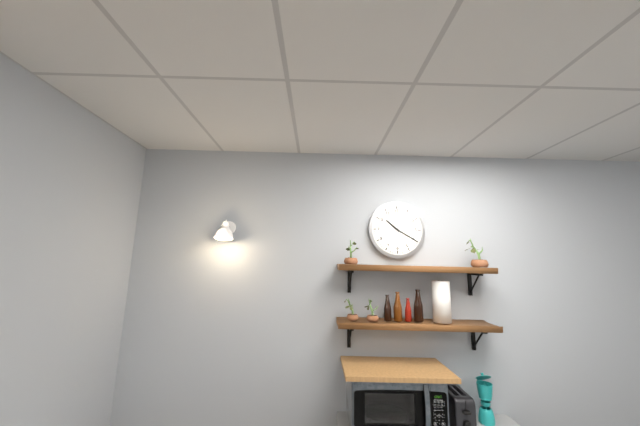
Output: 10h20
